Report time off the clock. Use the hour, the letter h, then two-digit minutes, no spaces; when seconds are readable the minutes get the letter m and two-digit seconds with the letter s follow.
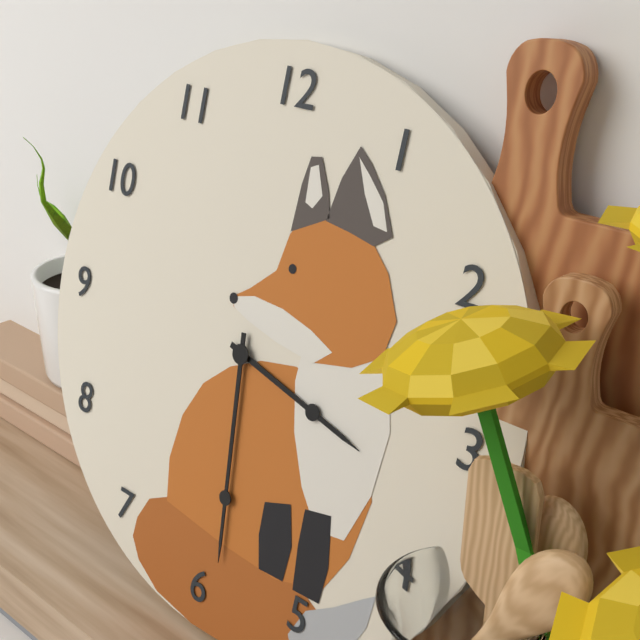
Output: 3h29
